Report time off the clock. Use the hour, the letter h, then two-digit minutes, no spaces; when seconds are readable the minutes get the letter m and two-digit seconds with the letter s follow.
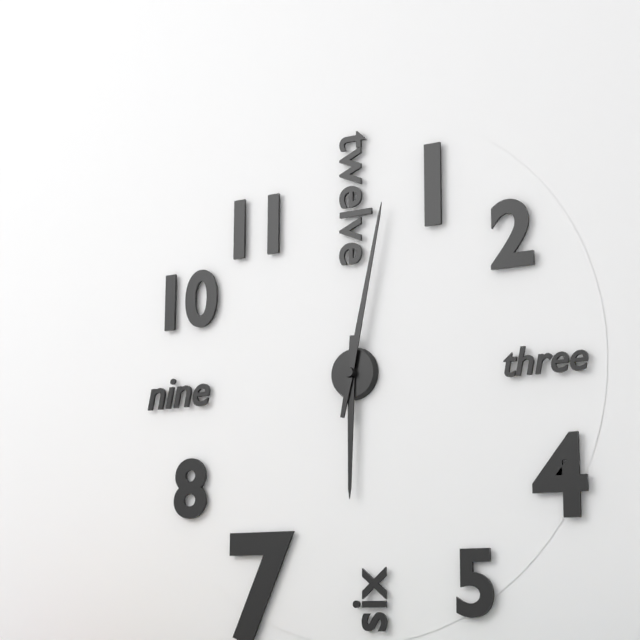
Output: 6h02
